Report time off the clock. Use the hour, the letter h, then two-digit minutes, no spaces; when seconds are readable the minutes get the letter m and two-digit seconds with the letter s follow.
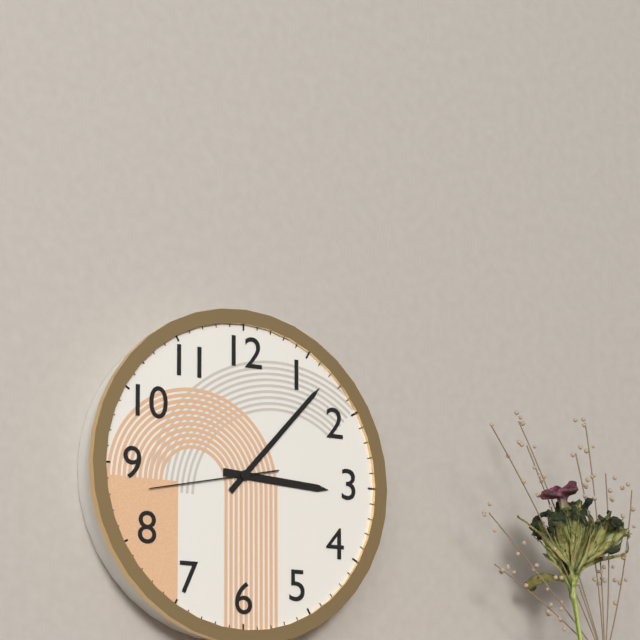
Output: 3h07m43s
